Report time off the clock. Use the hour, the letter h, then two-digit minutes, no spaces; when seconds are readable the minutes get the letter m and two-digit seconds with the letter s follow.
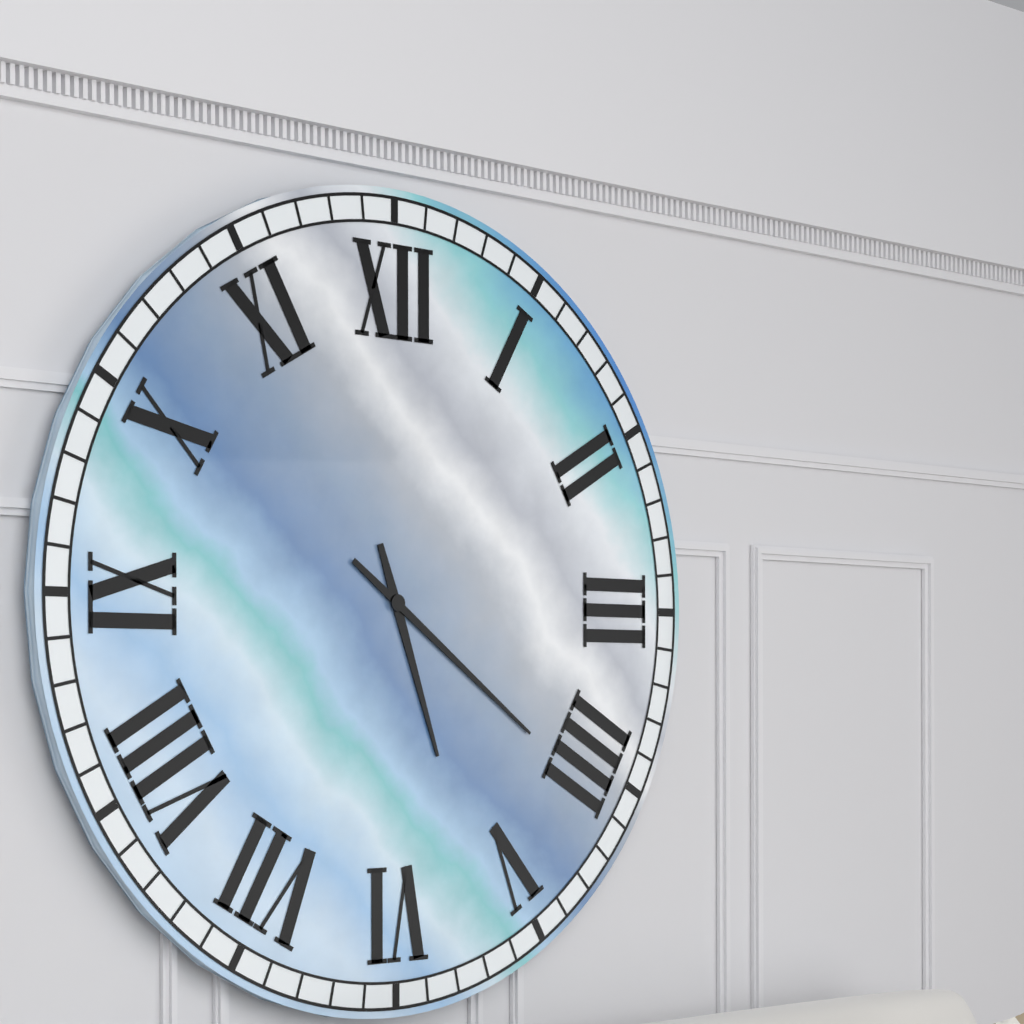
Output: 5h21
